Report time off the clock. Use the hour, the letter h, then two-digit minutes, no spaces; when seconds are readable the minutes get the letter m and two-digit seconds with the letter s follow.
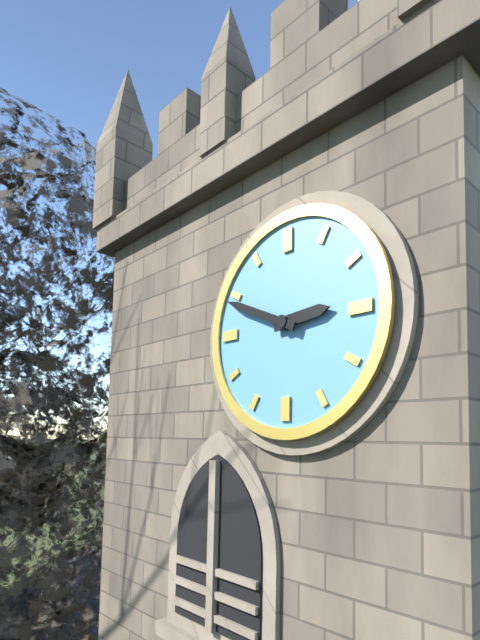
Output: 2h49
